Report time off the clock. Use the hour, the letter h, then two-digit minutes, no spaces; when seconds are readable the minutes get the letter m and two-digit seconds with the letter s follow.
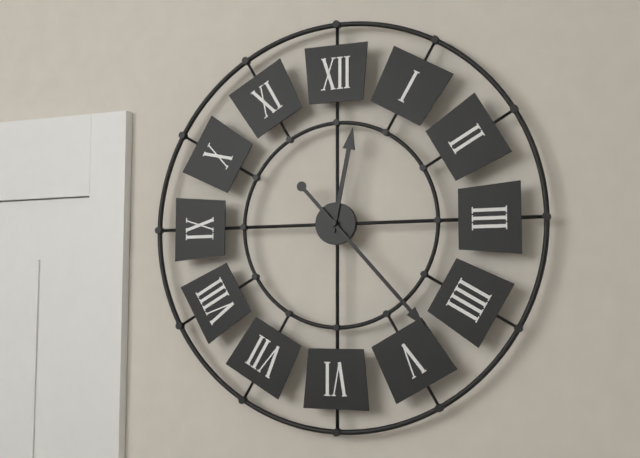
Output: 12h23
